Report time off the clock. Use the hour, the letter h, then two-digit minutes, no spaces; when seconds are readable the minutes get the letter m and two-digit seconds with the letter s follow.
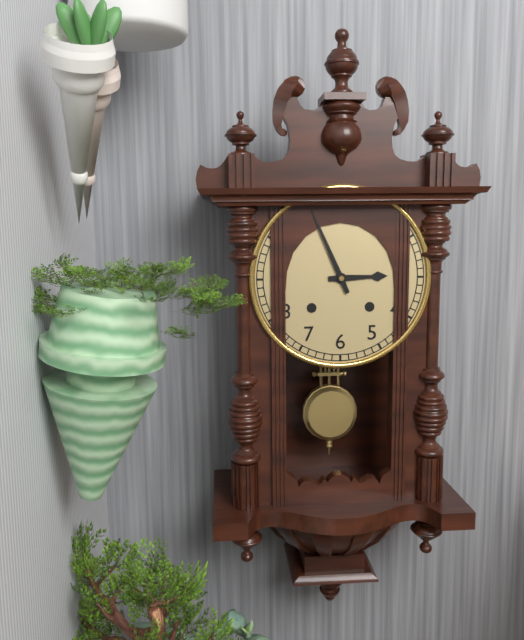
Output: 2h56
